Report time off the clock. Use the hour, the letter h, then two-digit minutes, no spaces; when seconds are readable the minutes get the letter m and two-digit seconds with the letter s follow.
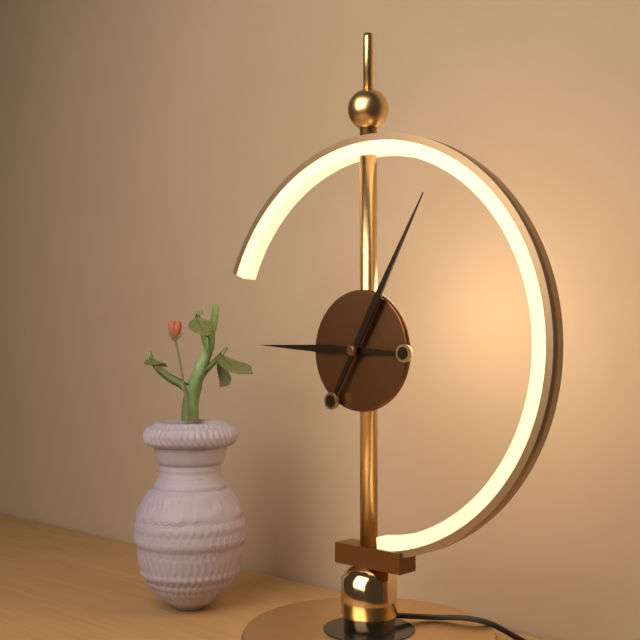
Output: 9h05
